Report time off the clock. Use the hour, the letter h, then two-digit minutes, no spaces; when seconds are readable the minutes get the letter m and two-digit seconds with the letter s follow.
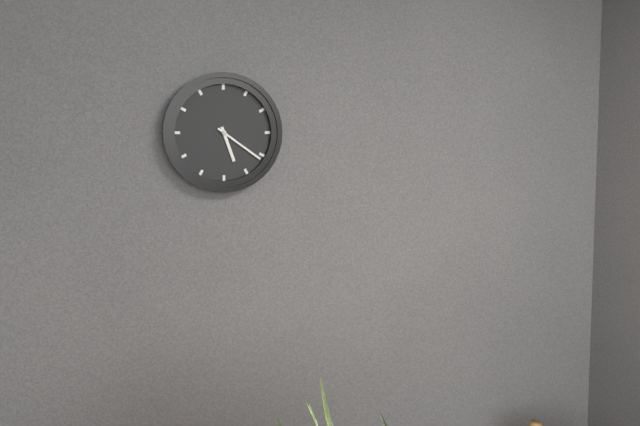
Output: 5h21
